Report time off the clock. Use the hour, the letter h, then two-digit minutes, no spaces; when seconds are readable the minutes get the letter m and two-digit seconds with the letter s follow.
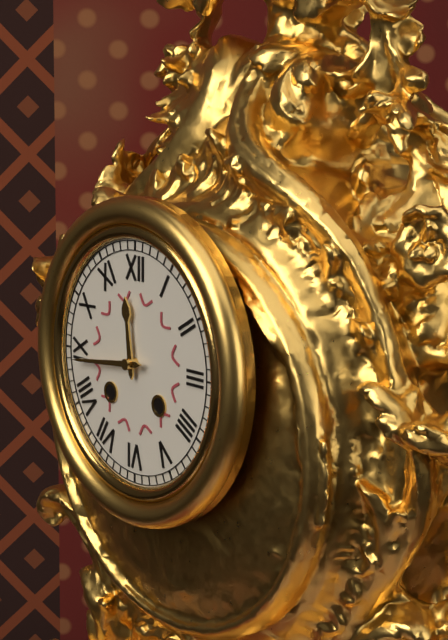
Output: 11h44
